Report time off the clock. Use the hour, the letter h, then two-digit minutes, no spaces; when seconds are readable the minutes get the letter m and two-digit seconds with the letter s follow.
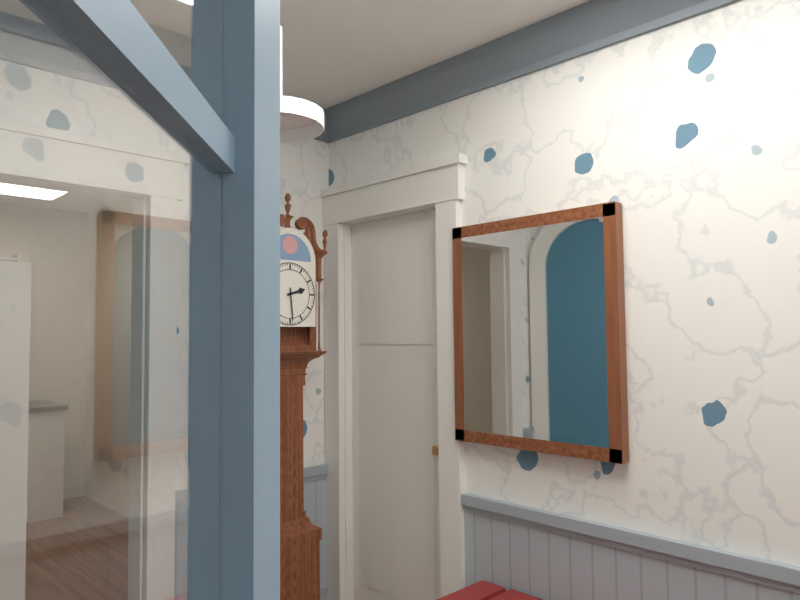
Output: 2h29
